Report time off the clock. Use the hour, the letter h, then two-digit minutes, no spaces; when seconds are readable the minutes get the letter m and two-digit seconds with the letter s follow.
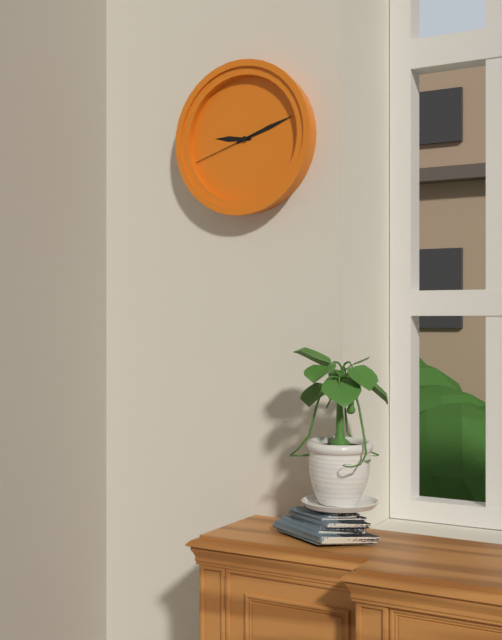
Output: 9h12m42s
